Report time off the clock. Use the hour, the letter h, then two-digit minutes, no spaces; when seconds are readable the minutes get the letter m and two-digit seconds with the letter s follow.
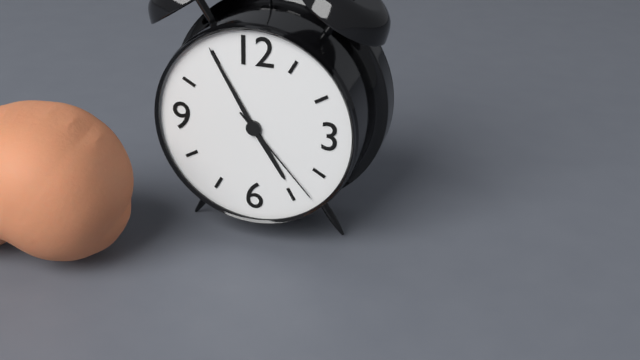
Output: 4h55m23s
